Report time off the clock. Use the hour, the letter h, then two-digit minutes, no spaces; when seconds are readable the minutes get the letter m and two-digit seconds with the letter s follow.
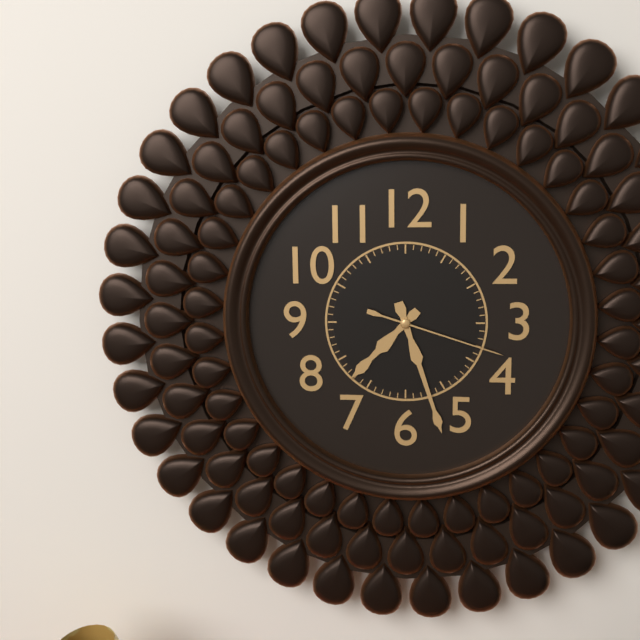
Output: 7h27m18s
